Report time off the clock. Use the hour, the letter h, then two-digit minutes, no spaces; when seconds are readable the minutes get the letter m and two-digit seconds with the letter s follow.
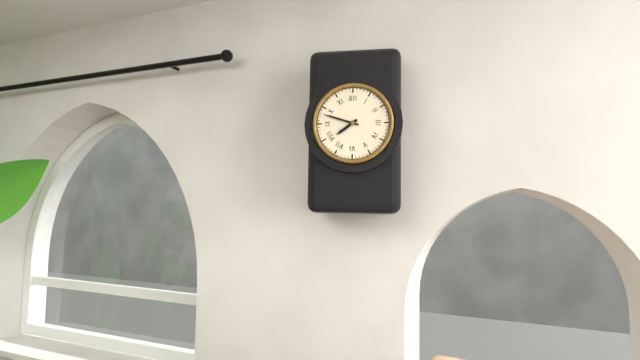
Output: 7h48
